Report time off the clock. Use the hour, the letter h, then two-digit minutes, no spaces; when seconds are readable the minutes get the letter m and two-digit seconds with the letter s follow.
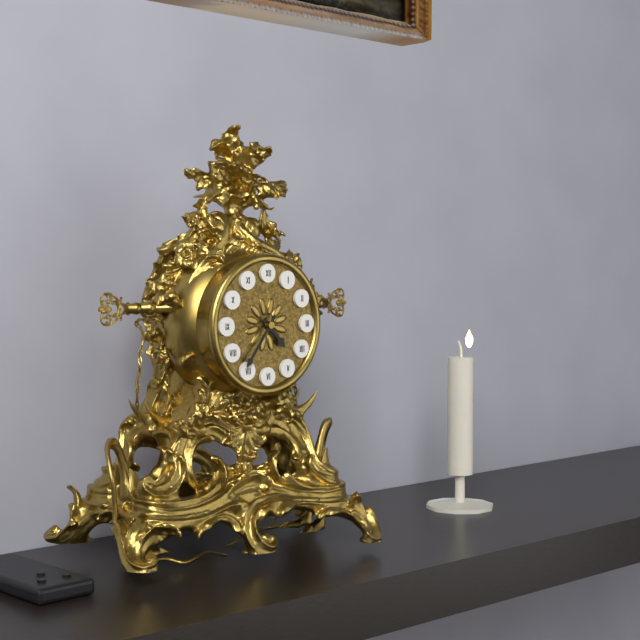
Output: 4h36
